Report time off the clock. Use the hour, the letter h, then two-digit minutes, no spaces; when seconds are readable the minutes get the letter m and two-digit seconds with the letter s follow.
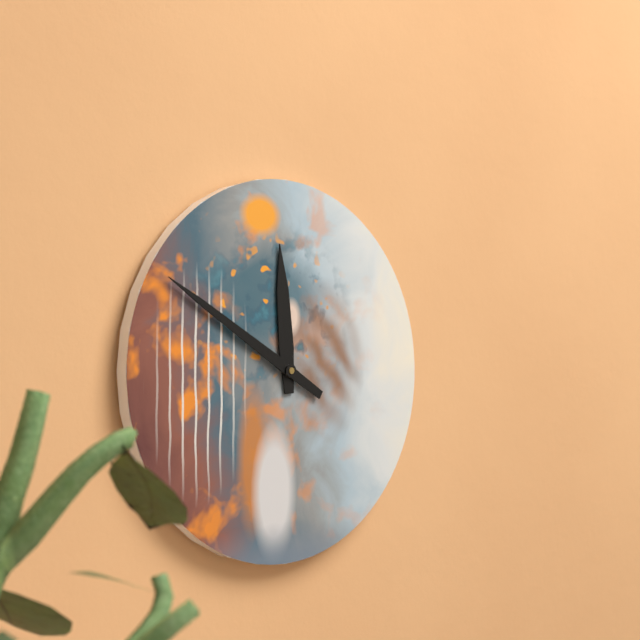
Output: 11h50
